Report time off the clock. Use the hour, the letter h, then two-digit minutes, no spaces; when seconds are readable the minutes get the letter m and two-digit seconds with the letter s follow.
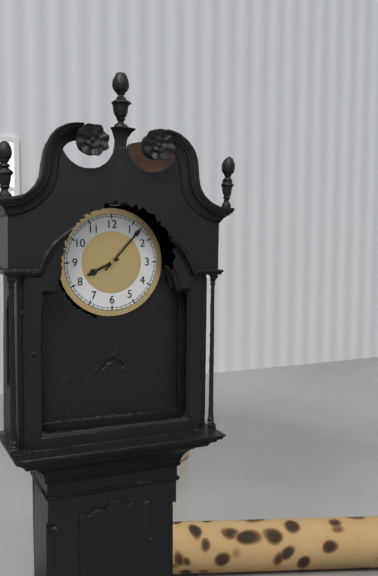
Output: 8h07
